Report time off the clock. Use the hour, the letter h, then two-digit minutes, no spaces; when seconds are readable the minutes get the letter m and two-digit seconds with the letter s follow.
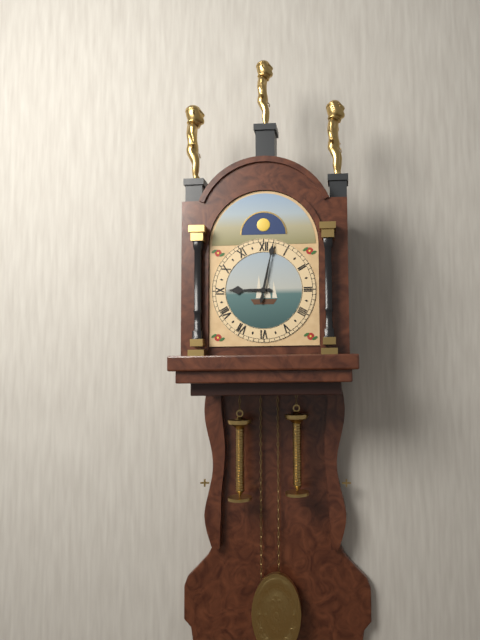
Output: 9h02
